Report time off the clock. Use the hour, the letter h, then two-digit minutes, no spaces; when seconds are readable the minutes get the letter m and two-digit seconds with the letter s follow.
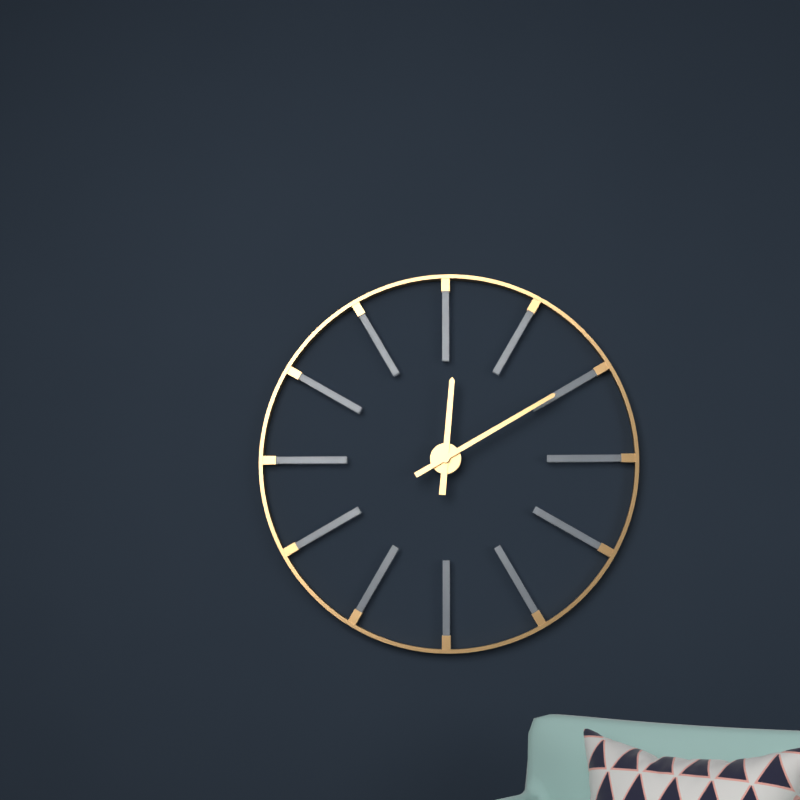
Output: 12h10
